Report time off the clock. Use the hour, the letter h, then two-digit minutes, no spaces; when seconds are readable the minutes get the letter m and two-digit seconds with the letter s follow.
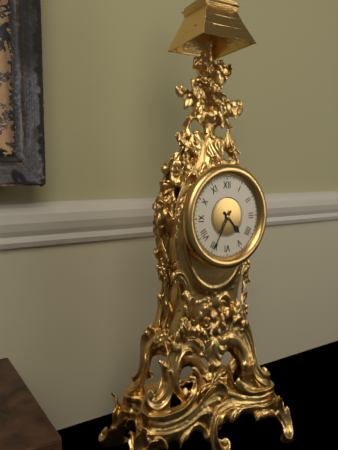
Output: 4h35
